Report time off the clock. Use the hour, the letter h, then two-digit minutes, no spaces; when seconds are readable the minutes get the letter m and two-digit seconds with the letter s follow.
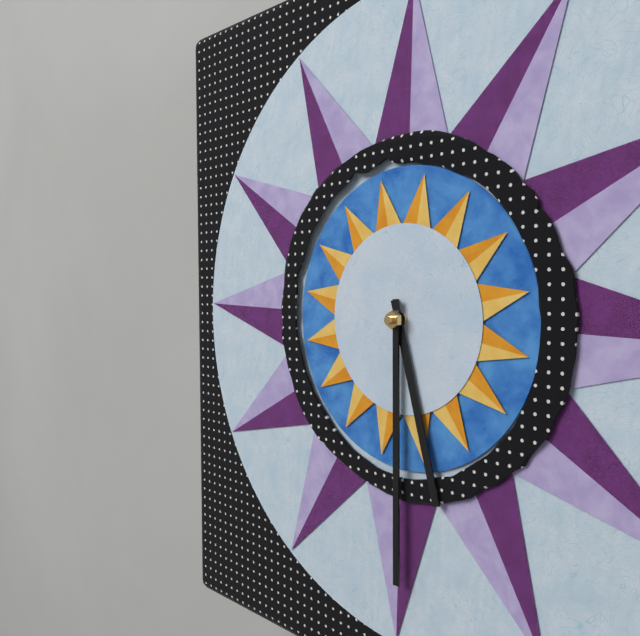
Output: 5h30
